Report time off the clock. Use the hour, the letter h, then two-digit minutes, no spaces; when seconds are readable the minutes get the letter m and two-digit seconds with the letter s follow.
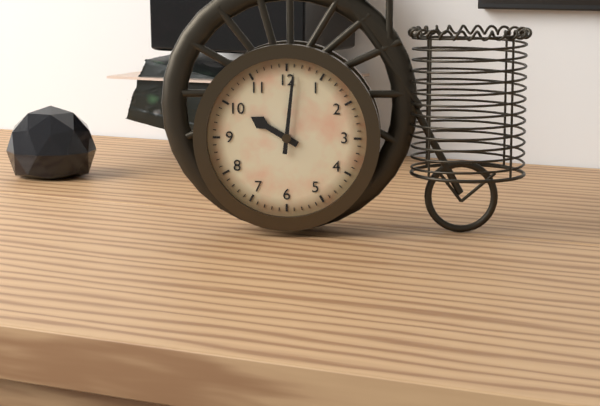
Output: 10h01
